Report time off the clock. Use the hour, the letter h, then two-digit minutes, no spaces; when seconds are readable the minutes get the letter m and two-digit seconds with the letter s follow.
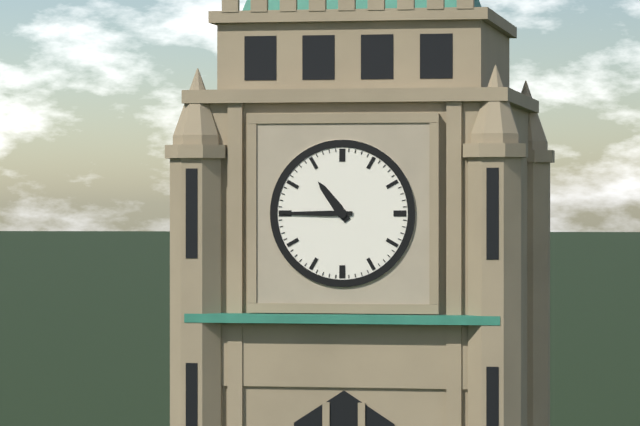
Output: 10h45
